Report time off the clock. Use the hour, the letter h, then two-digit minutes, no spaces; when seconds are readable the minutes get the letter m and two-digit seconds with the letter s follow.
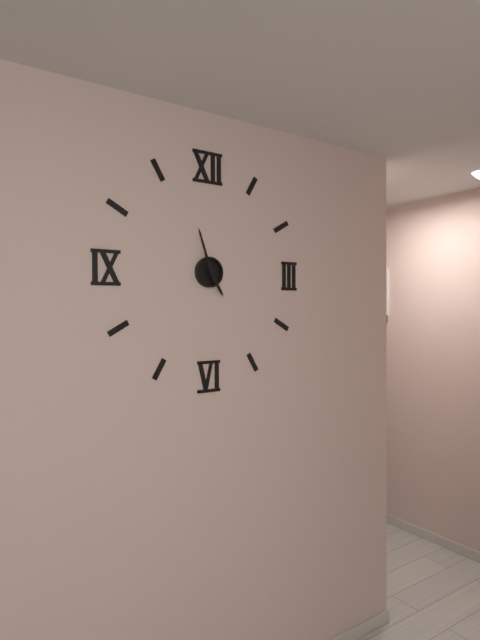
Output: 4h57
